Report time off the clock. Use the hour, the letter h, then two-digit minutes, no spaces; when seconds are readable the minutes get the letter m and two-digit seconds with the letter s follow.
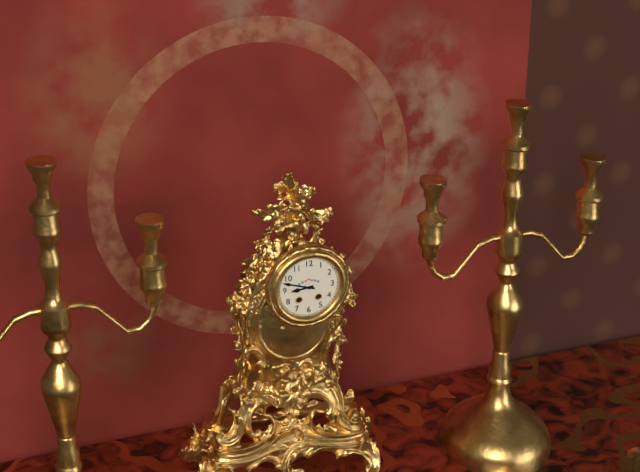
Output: 8h48
